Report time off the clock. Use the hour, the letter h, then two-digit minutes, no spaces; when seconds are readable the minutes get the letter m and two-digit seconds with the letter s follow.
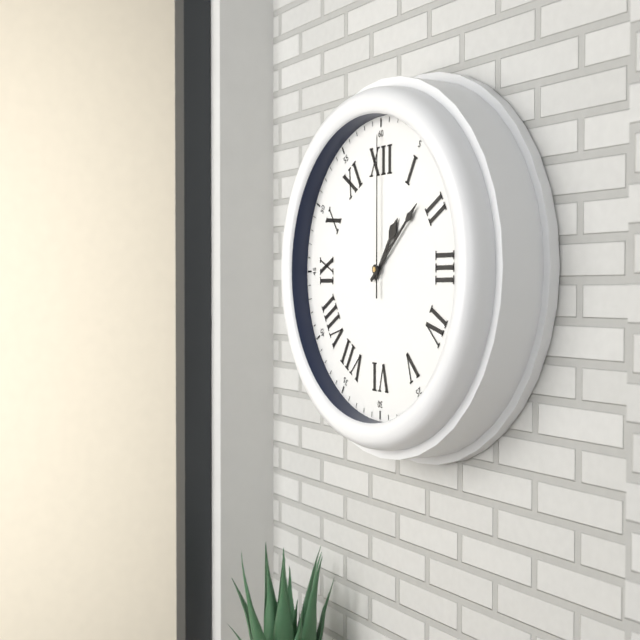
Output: 1h08m00s
